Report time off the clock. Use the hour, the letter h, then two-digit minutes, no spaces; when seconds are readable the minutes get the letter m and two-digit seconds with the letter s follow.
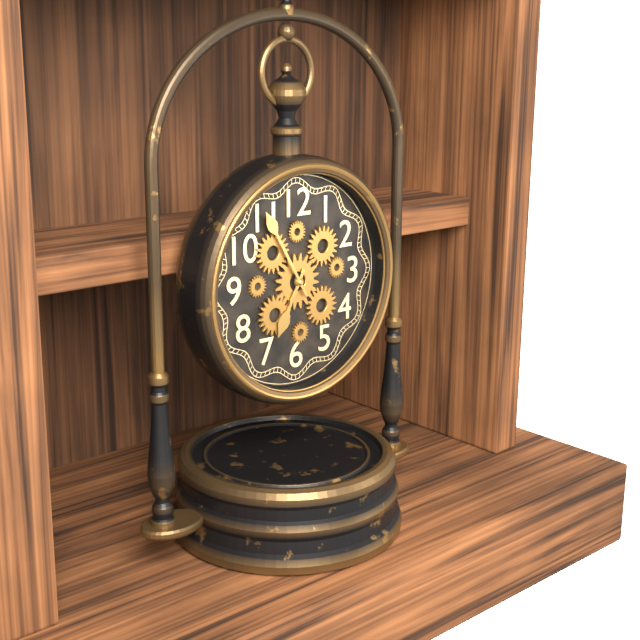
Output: 6h55
